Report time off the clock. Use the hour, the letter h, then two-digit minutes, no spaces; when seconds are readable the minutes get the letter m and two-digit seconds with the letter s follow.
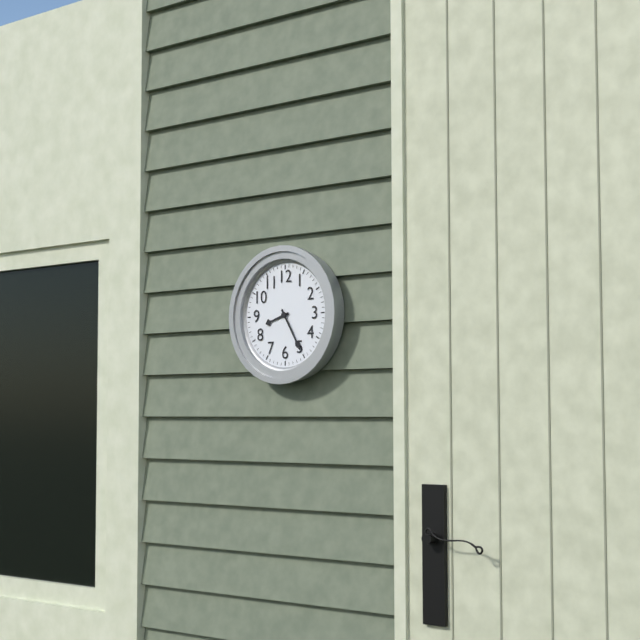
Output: 8h25
